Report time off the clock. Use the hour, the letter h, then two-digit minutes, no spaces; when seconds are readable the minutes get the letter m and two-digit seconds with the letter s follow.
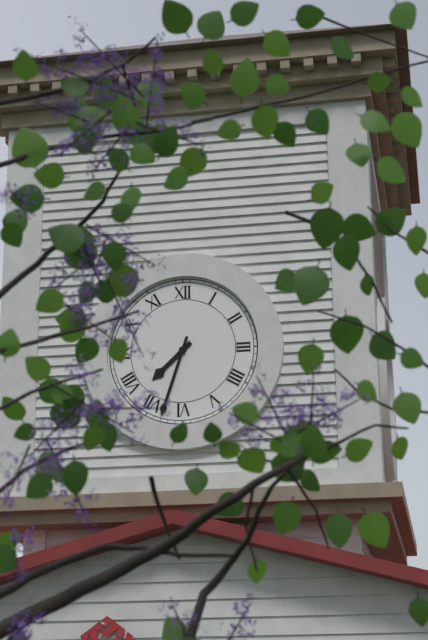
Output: 7h33
